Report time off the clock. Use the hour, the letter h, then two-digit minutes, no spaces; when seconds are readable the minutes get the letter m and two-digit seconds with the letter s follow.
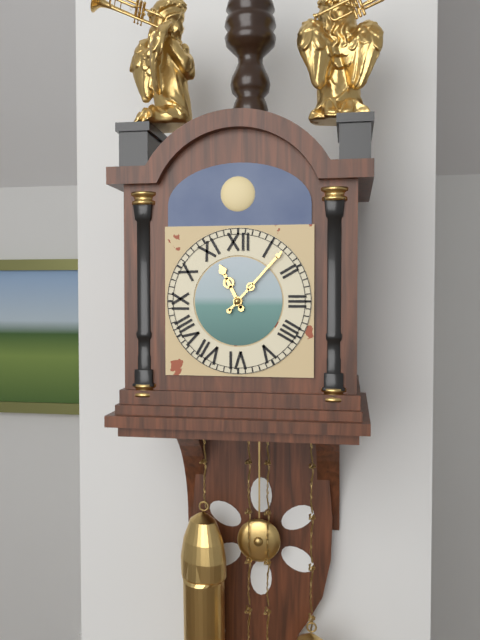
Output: 11h07
